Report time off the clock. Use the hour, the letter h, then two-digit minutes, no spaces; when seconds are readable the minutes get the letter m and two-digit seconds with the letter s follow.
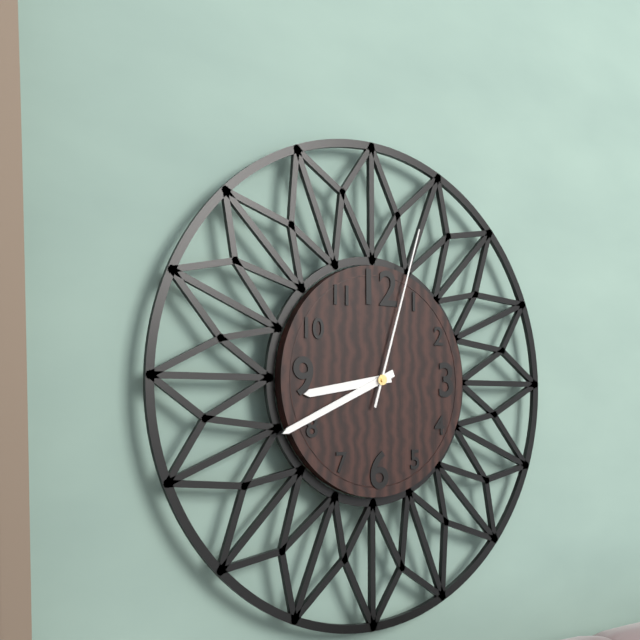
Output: 8h41m03s
